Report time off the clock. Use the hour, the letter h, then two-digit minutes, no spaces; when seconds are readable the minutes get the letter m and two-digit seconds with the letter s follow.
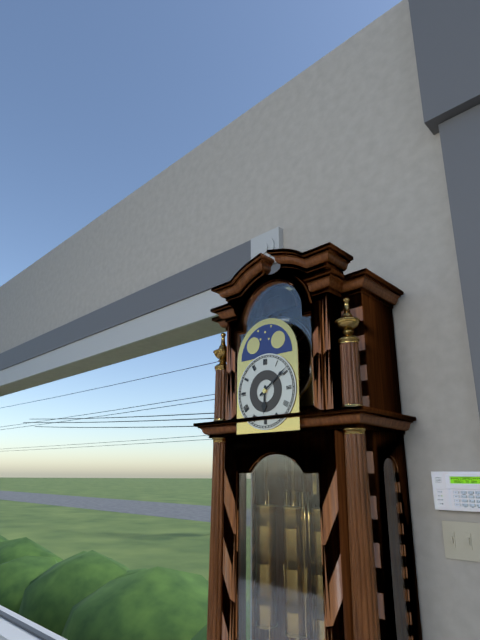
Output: 6h09
